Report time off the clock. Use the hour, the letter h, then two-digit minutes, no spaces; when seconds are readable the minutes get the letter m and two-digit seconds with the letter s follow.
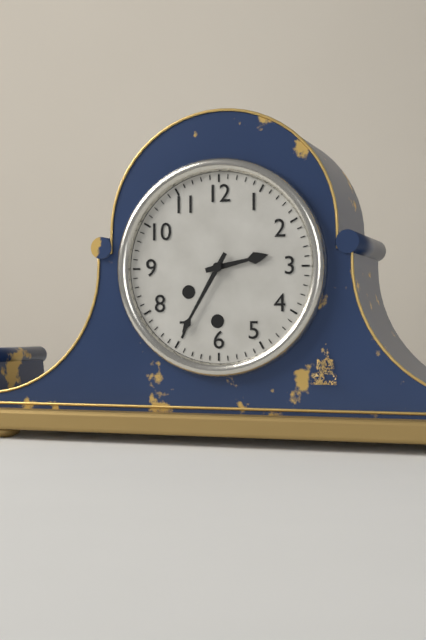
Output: 2h35
